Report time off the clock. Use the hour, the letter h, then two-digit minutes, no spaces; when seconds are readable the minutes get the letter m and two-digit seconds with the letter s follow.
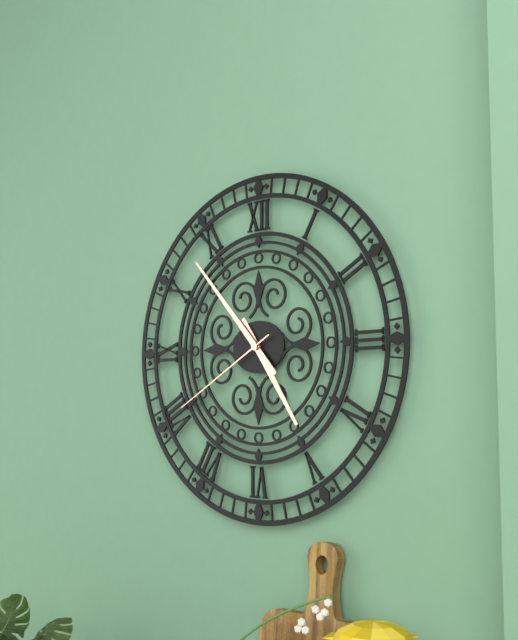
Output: 4h53m40s
